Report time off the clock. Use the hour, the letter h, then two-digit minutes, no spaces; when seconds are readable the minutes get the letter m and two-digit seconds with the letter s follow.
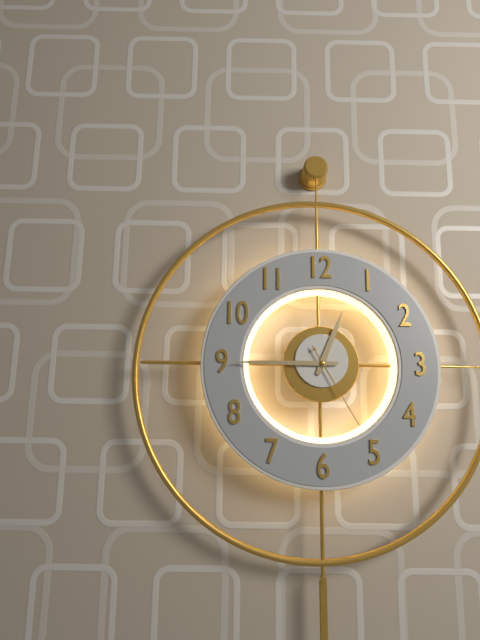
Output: 12h45m25s
